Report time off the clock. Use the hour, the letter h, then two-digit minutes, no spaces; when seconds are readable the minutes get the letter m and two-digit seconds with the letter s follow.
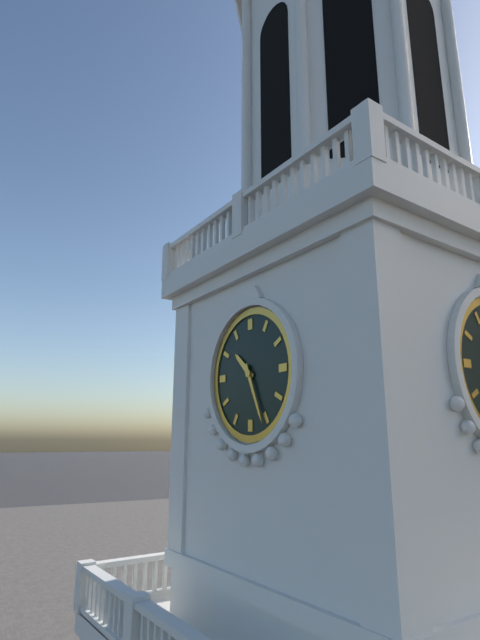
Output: 10h26
